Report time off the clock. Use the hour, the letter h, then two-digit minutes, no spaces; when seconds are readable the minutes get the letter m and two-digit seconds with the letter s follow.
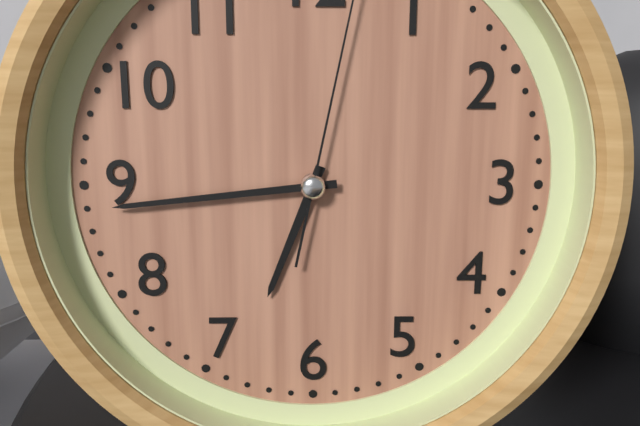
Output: 6h44
